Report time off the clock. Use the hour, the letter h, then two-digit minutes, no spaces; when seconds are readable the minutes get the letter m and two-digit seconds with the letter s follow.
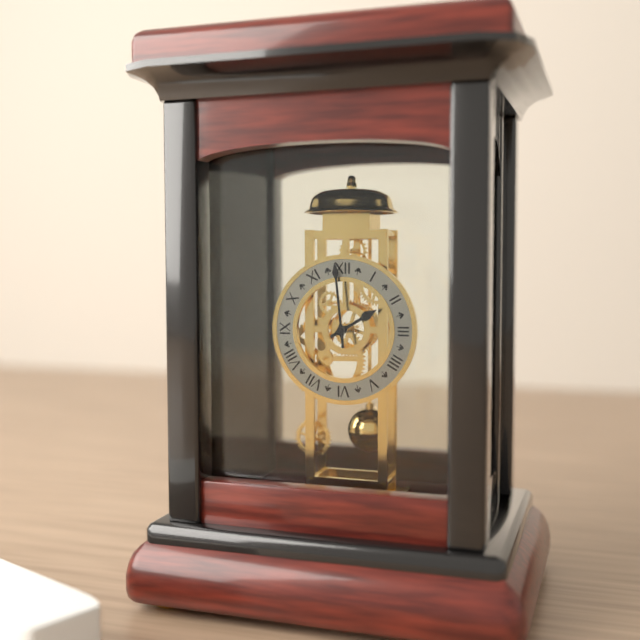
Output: 1h59
